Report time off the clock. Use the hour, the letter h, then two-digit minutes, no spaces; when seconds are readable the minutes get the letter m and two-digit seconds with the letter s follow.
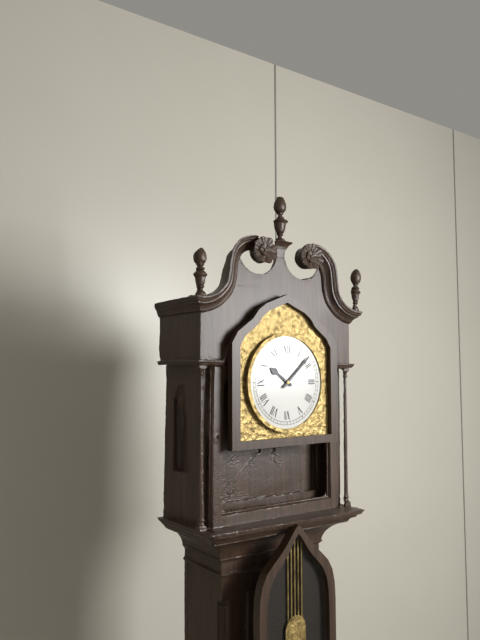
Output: 10h08
